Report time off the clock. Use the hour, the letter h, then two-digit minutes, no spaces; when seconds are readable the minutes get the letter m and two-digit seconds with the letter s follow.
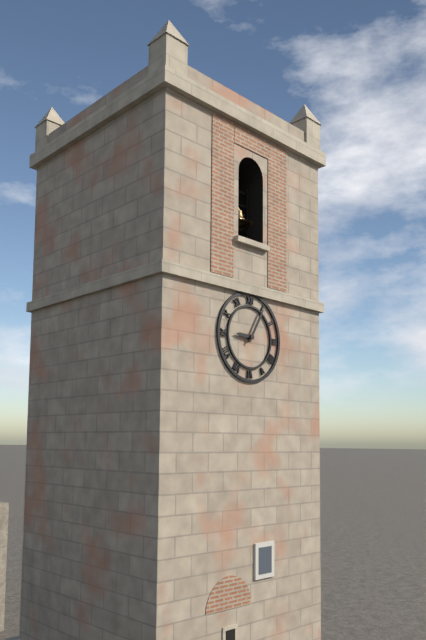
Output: 9h05
